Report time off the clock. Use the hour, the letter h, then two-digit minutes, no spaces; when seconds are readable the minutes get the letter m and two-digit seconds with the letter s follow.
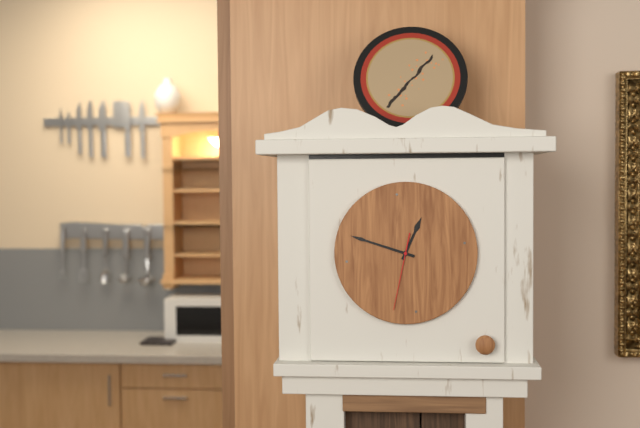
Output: 12h48m32s
